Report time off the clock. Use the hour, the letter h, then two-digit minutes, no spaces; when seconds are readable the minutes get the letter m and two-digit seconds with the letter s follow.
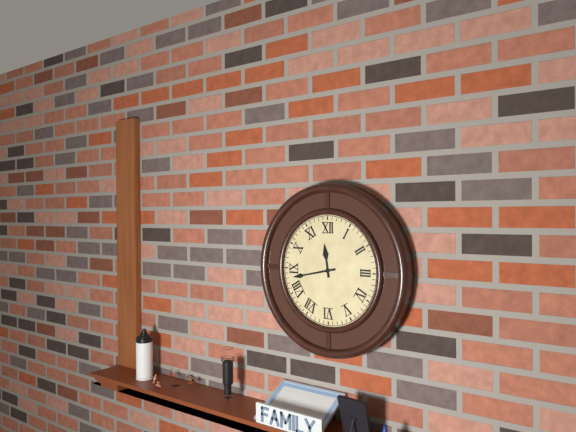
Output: 11h43
